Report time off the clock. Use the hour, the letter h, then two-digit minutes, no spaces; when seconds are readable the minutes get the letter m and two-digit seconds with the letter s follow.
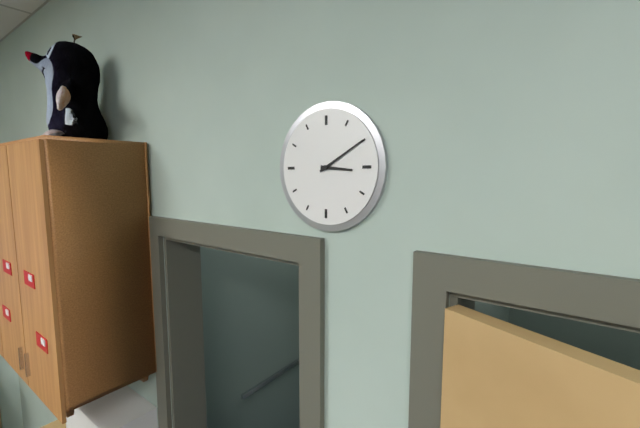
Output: 3h10
